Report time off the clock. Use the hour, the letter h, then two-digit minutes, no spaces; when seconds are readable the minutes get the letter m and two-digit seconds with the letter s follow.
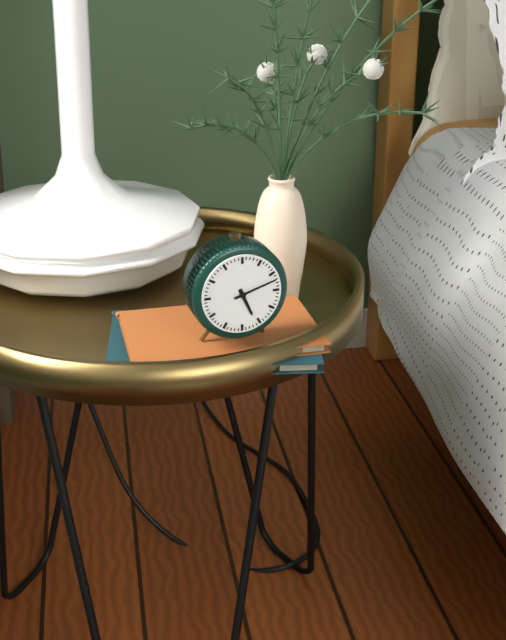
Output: 5h12
